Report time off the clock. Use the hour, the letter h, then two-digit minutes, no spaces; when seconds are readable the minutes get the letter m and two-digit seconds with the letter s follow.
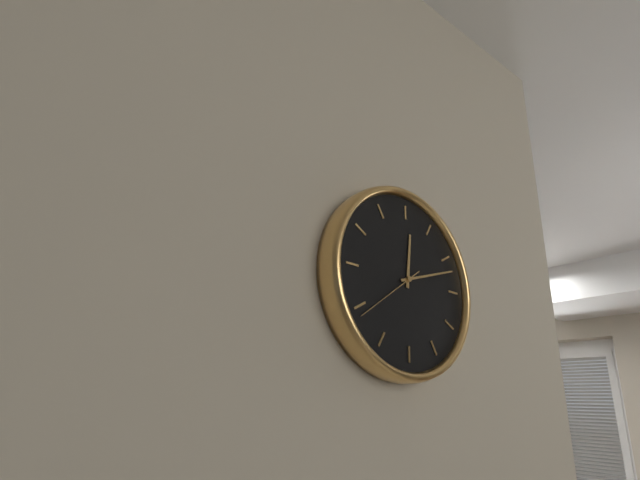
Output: 12h12m39s
